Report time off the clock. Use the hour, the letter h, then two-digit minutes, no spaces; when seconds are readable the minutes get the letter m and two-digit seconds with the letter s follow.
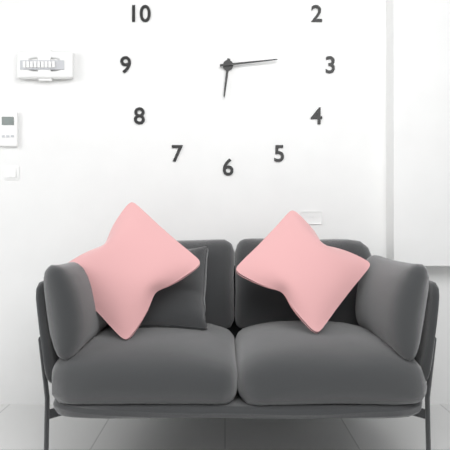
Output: 6h14
